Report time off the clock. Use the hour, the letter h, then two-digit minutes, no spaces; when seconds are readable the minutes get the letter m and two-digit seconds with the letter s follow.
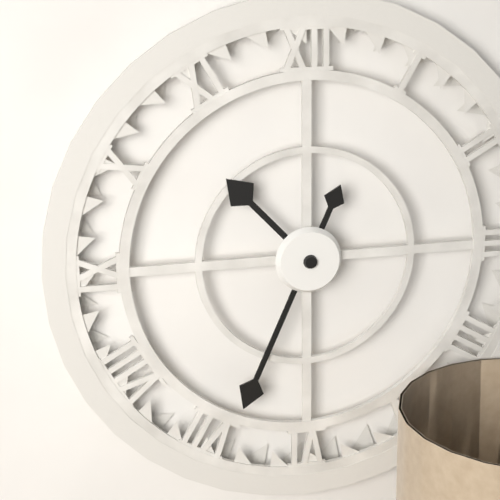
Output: 10h34
